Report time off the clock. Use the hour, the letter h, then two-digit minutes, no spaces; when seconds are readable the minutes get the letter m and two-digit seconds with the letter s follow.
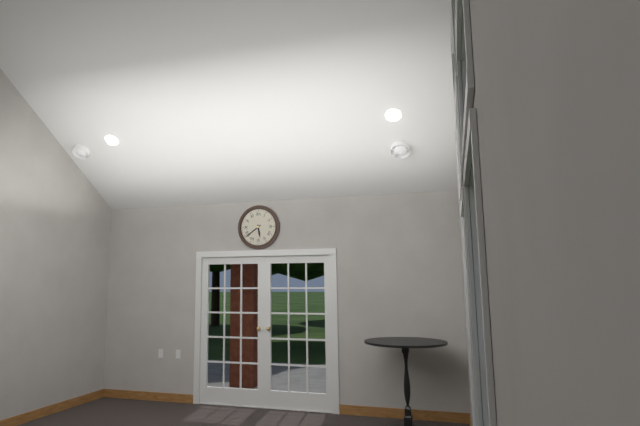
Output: 5h39
